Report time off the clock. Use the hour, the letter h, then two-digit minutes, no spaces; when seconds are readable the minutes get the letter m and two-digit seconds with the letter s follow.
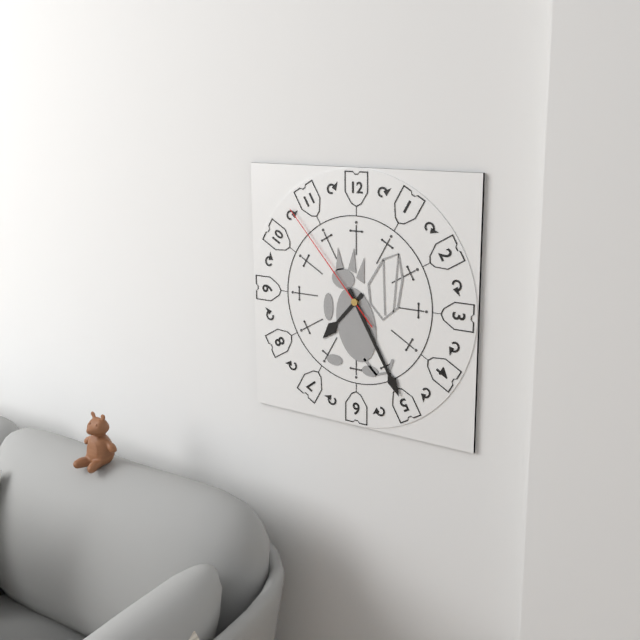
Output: 7h25m53s
